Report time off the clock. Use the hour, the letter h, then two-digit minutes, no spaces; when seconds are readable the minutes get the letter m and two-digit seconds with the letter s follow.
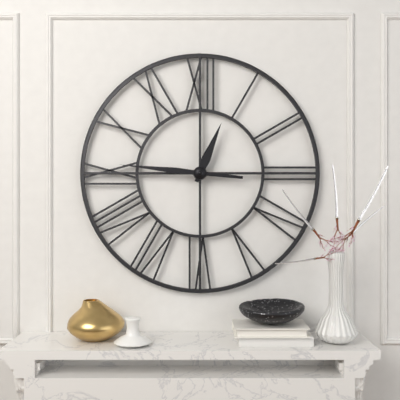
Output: 12h46
